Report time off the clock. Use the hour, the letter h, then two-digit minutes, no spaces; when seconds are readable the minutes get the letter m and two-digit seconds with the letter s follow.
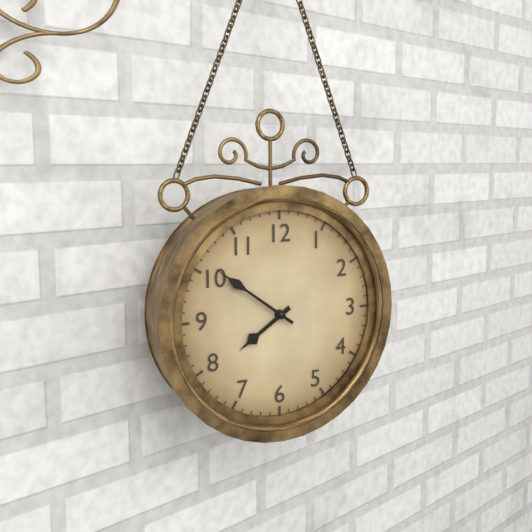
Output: 7h51
